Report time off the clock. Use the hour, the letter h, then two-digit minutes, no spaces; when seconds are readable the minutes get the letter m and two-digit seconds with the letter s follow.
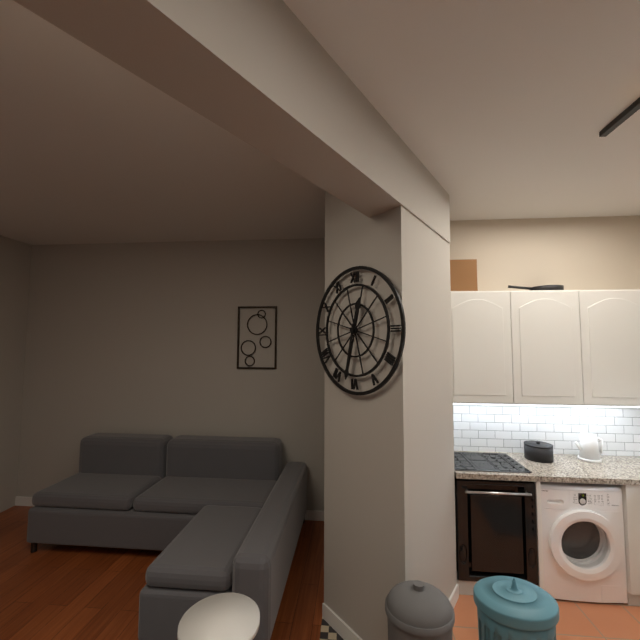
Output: 12h32
